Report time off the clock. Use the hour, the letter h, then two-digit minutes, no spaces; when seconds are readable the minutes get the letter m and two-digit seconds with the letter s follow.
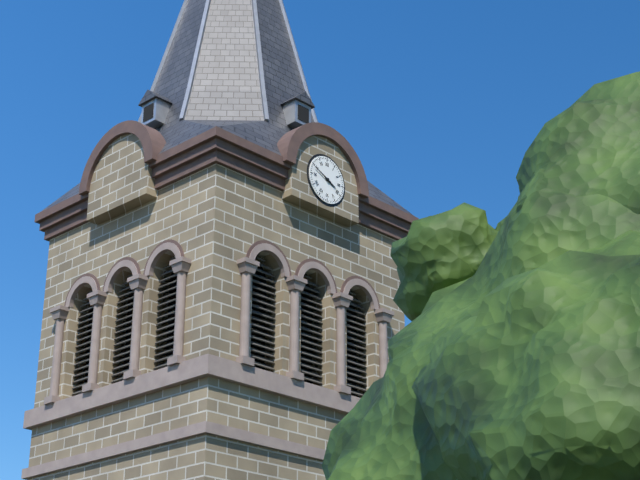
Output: 3h49
